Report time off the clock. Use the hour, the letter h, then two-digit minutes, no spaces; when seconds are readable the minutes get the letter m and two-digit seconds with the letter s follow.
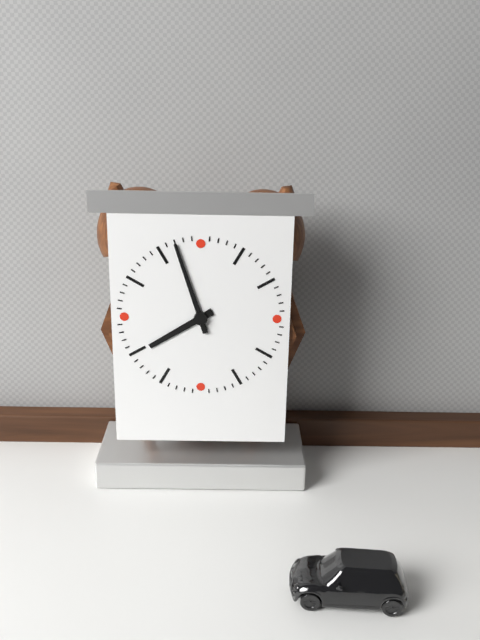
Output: 7h57
